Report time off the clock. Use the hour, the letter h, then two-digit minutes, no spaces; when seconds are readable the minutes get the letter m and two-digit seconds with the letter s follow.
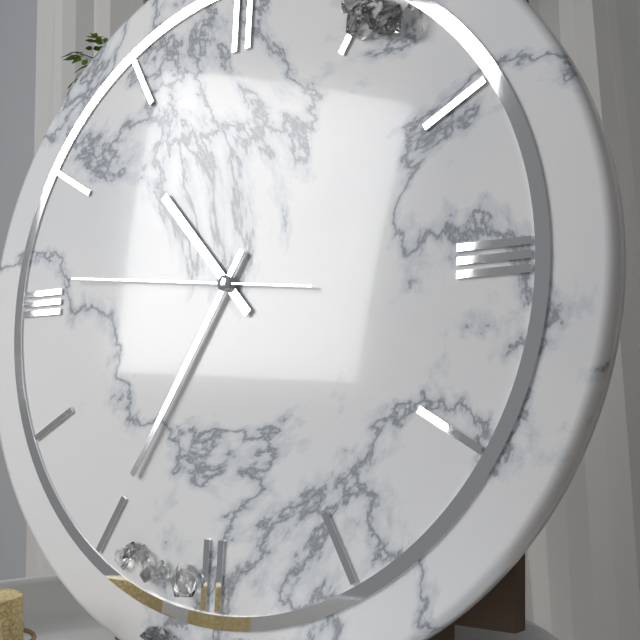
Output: 10h35m46s
